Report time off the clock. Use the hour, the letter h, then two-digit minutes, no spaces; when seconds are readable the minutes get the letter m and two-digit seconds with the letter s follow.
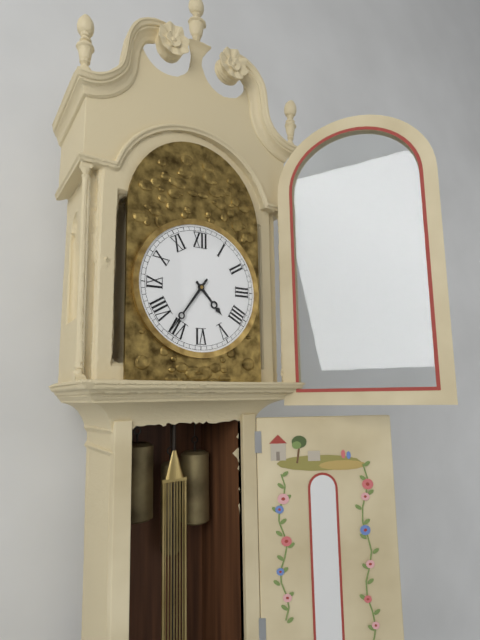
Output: 4h36
